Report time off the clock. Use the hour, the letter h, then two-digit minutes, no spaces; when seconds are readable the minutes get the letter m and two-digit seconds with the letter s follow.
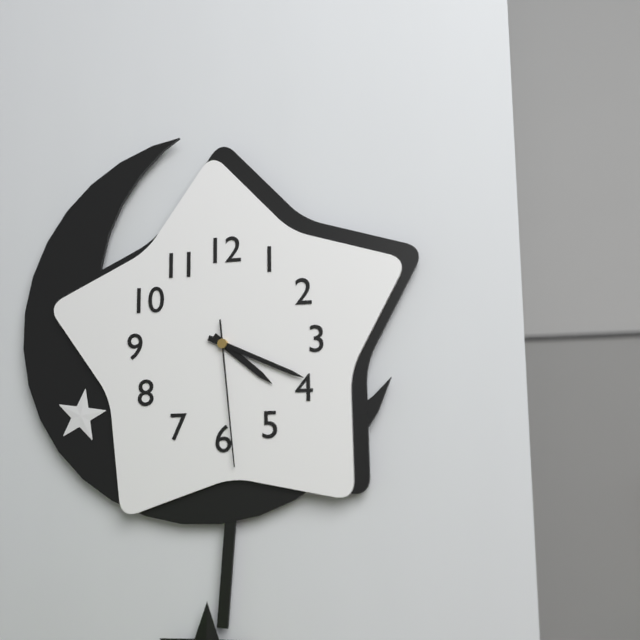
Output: 4h19m29s
